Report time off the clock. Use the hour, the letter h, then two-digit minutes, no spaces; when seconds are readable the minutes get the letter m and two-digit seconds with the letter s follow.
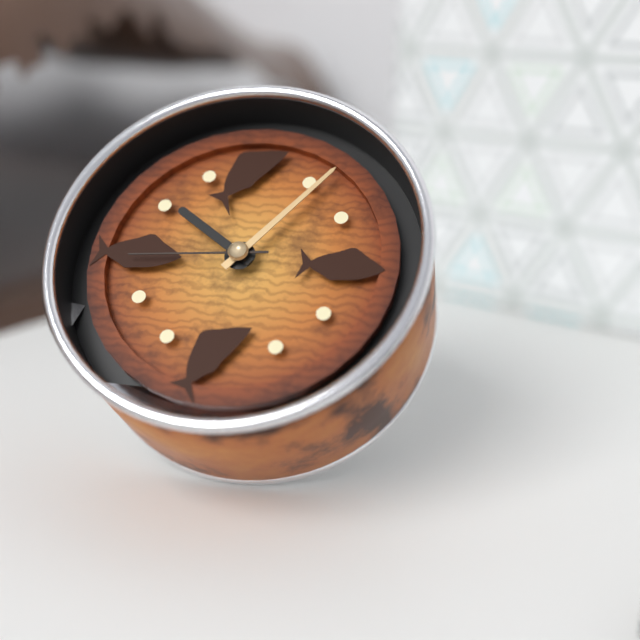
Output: 10h06m44s
